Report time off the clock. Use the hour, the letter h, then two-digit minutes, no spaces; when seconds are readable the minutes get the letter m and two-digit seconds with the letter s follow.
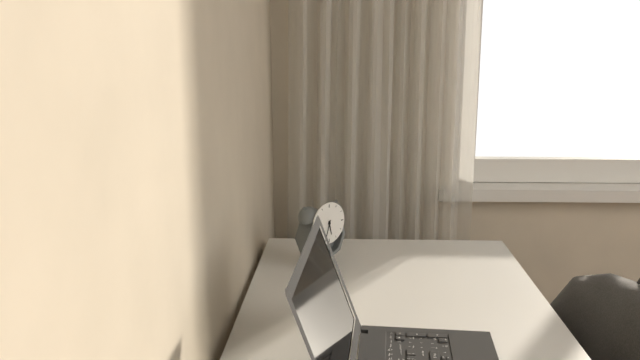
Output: 5h33
